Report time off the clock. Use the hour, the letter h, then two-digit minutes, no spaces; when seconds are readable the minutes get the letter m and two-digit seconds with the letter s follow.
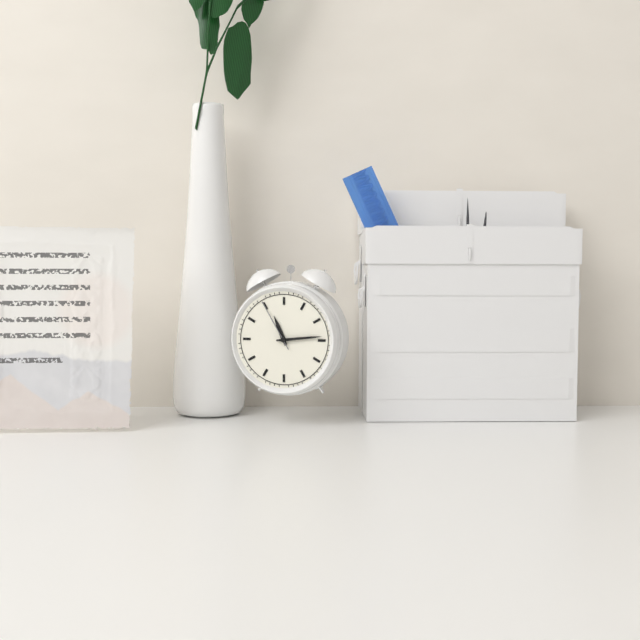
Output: 11h14m55s
